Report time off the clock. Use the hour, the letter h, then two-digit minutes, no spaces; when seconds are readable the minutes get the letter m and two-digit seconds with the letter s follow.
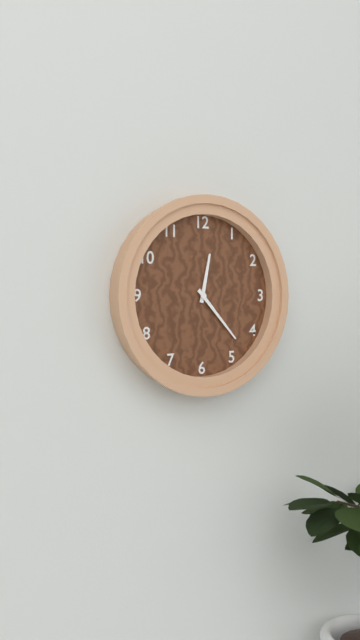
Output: 12h23
